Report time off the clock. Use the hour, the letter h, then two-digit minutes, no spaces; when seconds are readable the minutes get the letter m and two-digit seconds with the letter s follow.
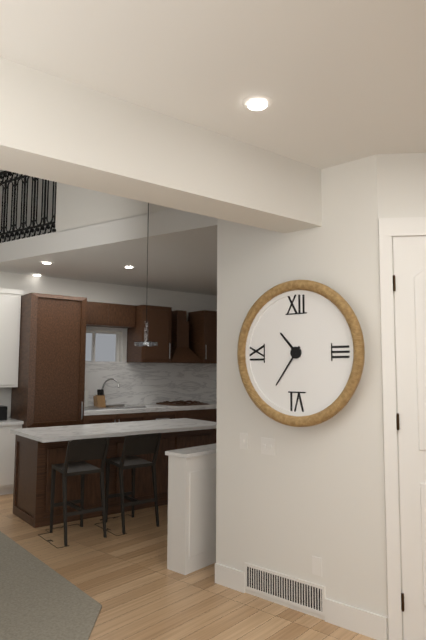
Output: 10h36
